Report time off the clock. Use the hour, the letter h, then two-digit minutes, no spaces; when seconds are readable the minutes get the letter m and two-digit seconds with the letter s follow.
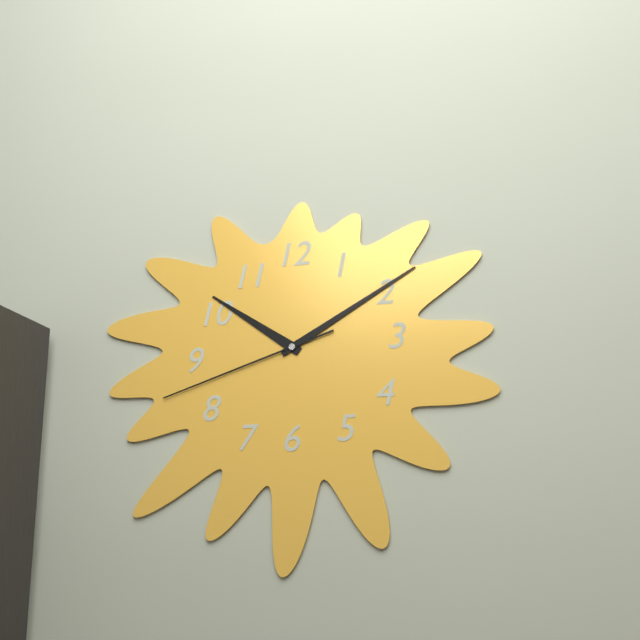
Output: 10h10m42s
